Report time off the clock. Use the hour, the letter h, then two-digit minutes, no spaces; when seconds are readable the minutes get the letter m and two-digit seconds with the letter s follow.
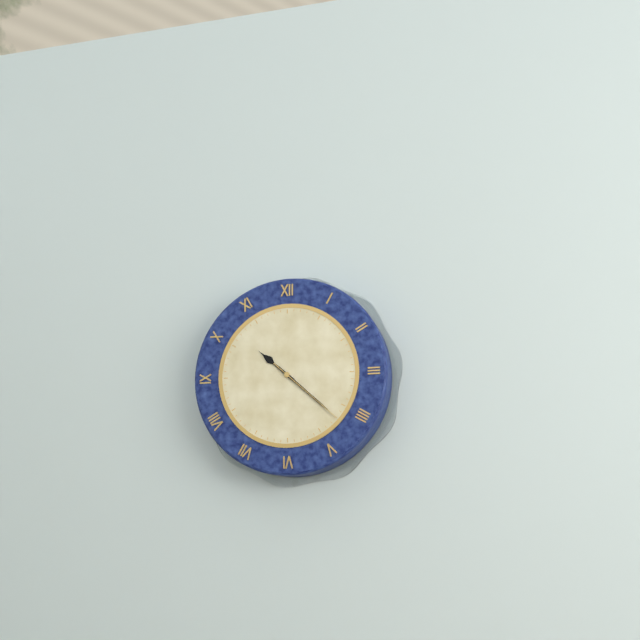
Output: 10h22m22s
